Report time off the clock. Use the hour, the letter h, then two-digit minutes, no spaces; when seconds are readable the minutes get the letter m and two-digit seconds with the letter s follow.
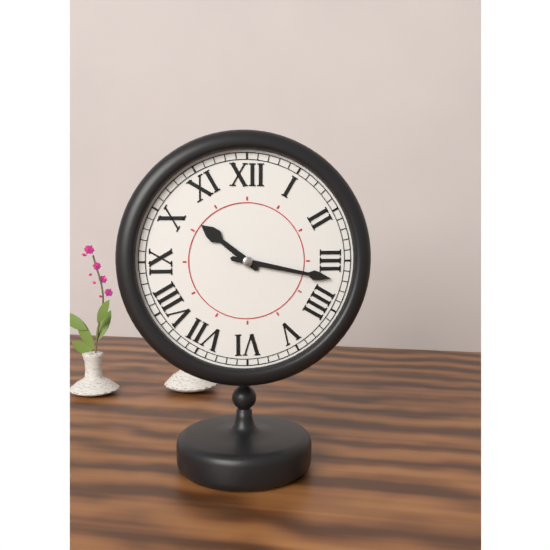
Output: 10h17
